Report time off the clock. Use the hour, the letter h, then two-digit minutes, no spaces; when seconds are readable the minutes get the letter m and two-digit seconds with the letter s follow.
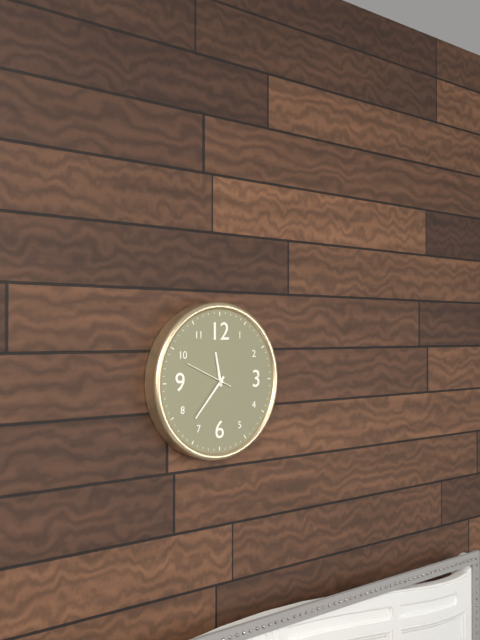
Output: 11h37
